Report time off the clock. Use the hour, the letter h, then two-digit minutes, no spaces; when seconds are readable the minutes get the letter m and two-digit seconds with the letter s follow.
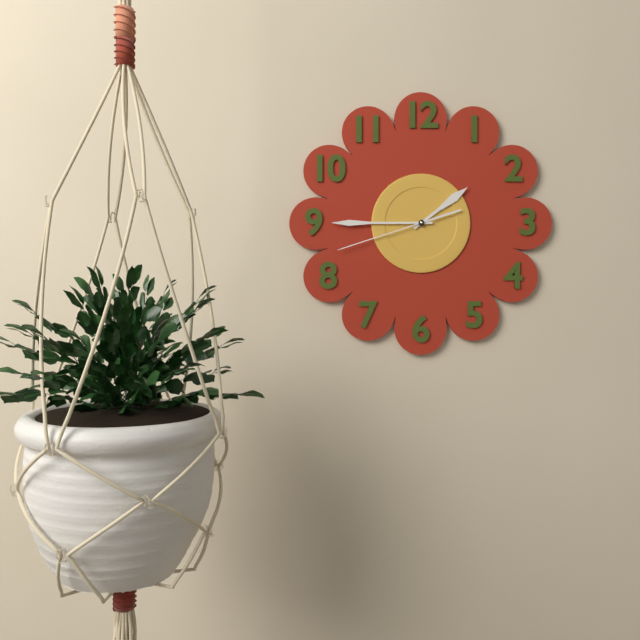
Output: 1h45m42s
